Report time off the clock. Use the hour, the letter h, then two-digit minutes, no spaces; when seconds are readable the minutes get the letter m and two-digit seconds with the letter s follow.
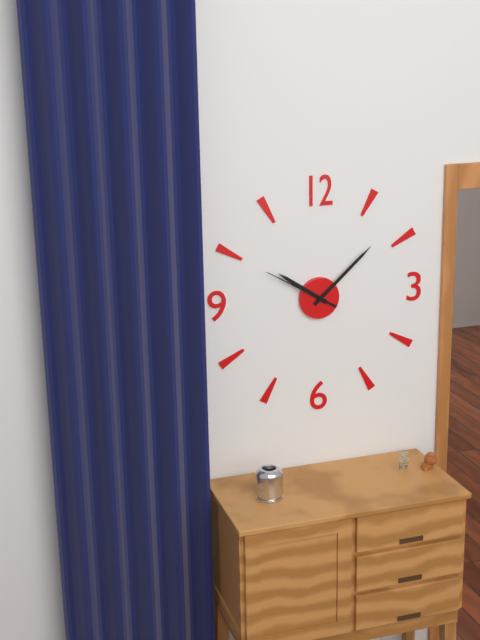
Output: 10h08m50s
